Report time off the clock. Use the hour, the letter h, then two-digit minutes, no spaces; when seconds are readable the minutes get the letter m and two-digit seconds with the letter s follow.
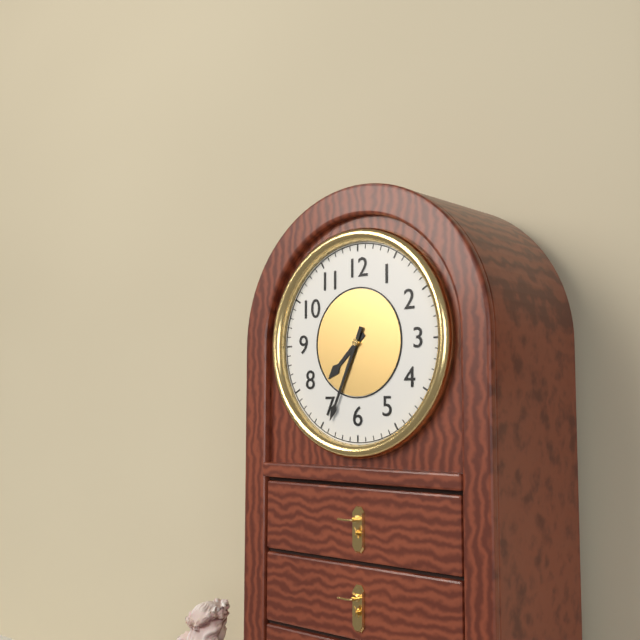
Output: 7h34
